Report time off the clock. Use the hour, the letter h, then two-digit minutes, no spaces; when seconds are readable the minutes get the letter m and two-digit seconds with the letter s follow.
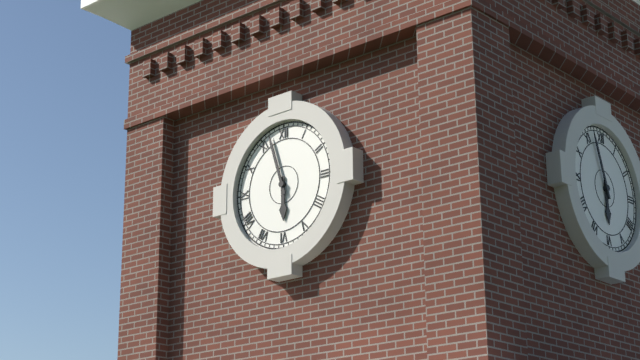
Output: 5h57
